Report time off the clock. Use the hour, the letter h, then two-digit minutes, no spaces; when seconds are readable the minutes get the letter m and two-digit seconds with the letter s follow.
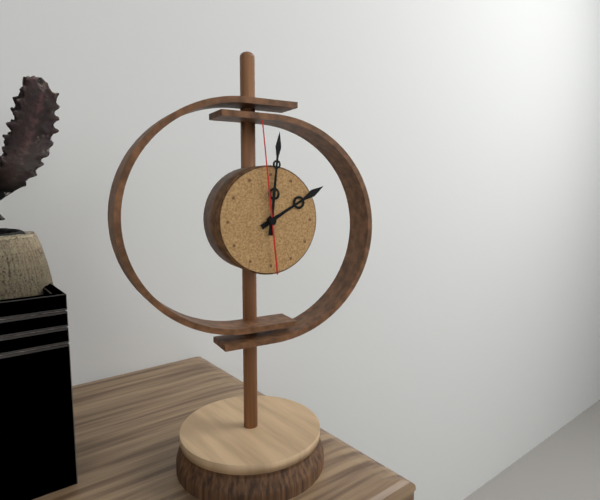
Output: 2h01m59s
